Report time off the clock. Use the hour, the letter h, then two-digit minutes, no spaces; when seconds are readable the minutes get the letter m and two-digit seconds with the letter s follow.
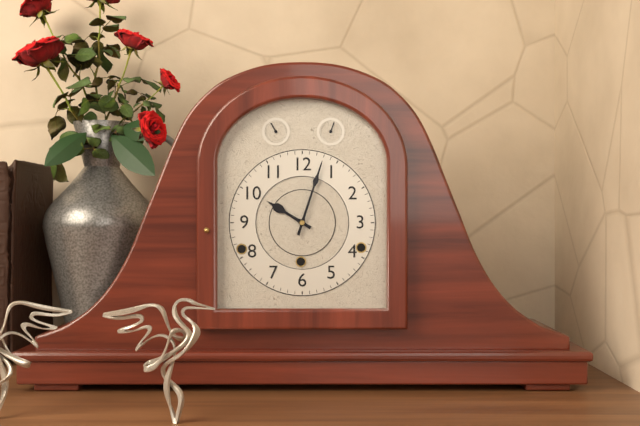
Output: 10h03
